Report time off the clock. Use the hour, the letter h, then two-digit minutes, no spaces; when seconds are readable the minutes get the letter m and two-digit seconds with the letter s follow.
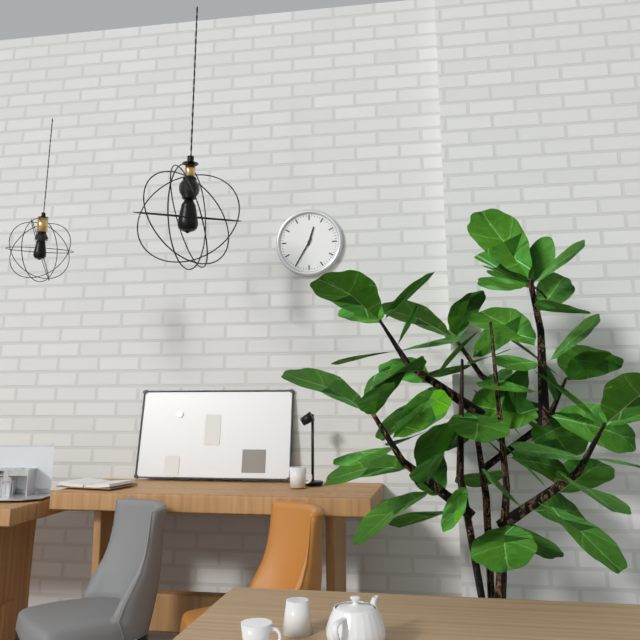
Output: 12h35
